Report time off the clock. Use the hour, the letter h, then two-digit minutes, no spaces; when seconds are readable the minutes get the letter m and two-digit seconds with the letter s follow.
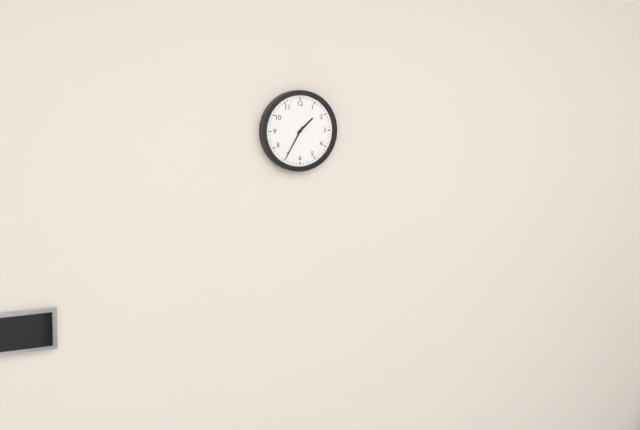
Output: 1h35
